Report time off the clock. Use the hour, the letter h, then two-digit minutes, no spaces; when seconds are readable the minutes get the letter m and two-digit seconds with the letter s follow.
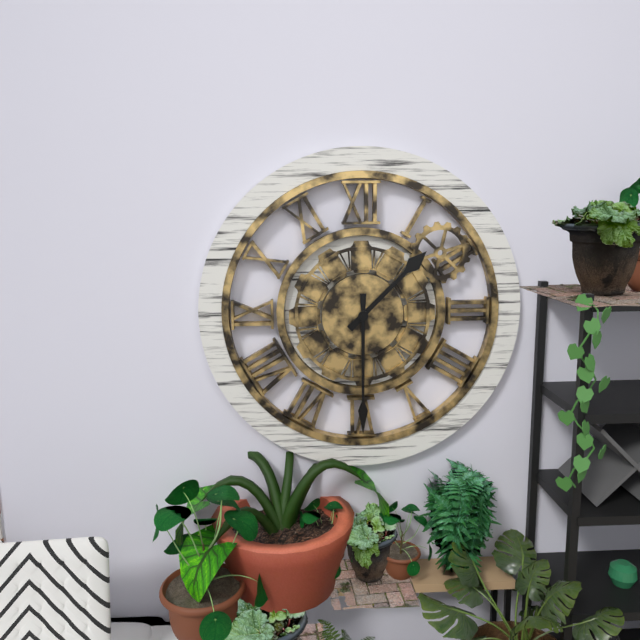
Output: 1h30
